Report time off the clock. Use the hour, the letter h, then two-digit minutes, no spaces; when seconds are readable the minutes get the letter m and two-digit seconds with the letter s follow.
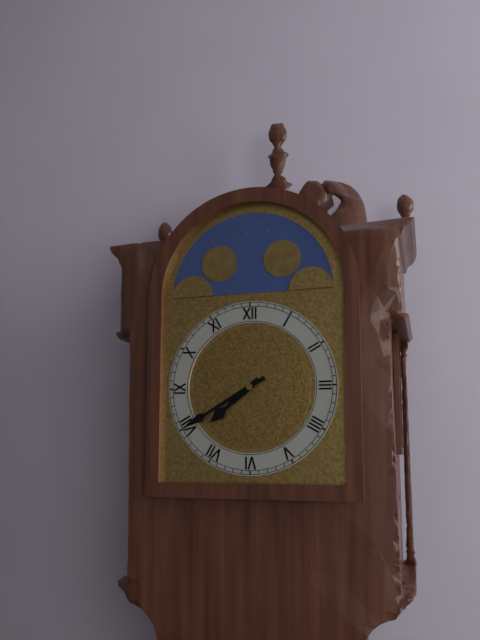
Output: 7h40
